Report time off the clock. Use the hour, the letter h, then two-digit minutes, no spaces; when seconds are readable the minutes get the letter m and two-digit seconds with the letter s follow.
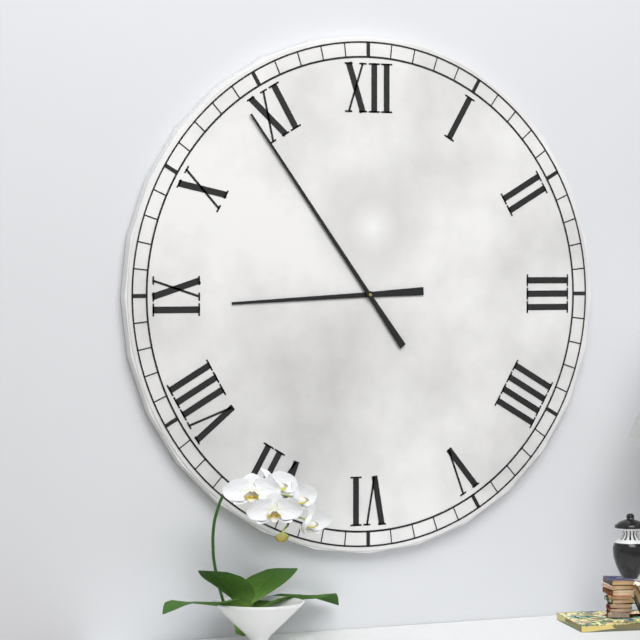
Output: 8h54
